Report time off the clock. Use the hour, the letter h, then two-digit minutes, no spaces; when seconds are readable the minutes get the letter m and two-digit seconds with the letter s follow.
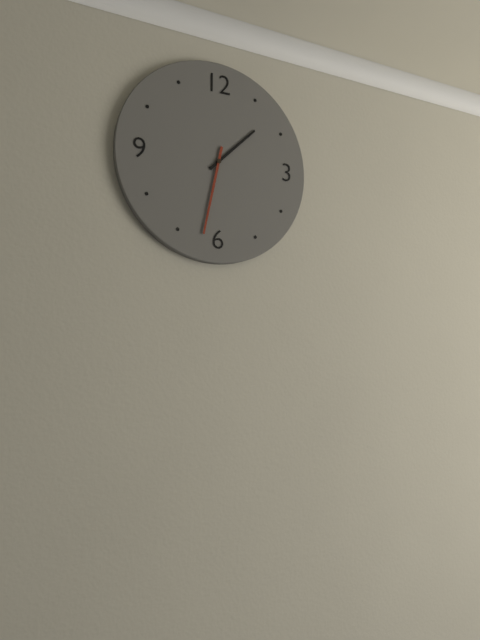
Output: 1h32
